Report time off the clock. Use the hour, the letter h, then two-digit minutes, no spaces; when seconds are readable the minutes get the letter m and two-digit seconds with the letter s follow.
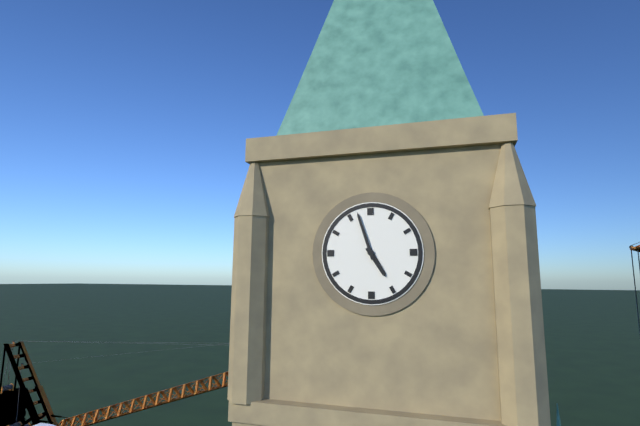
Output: 4h57
